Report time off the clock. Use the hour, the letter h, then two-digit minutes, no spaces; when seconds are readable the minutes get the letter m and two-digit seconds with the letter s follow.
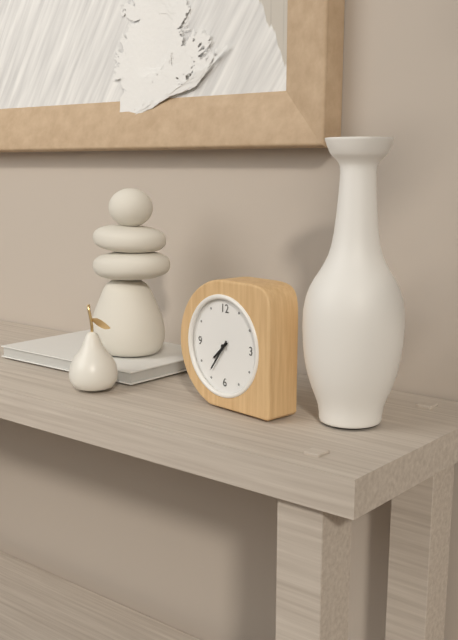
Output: 7h36
